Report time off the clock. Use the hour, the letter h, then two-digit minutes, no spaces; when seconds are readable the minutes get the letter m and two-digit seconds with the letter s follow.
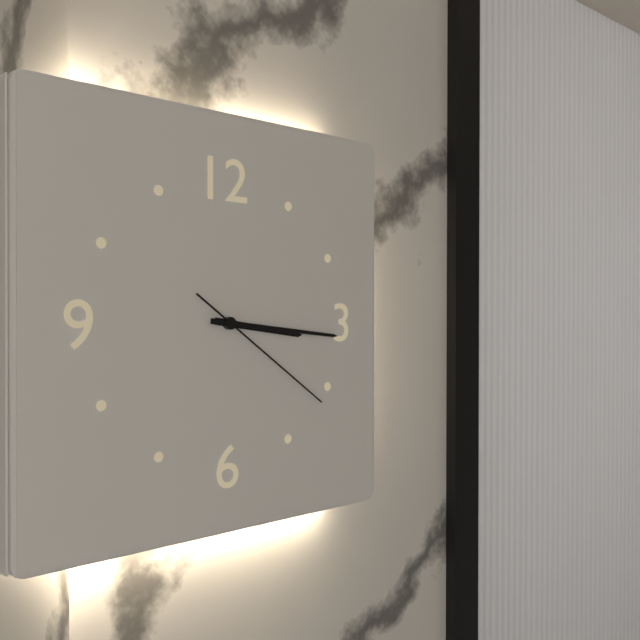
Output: 3h16m21s
